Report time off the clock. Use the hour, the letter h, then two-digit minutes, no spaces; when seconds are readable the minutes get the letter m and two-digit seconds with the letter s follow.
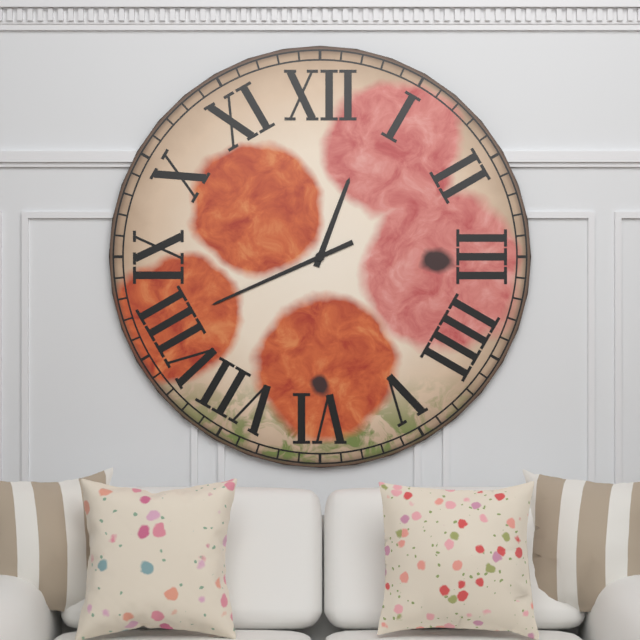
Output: 12h41
